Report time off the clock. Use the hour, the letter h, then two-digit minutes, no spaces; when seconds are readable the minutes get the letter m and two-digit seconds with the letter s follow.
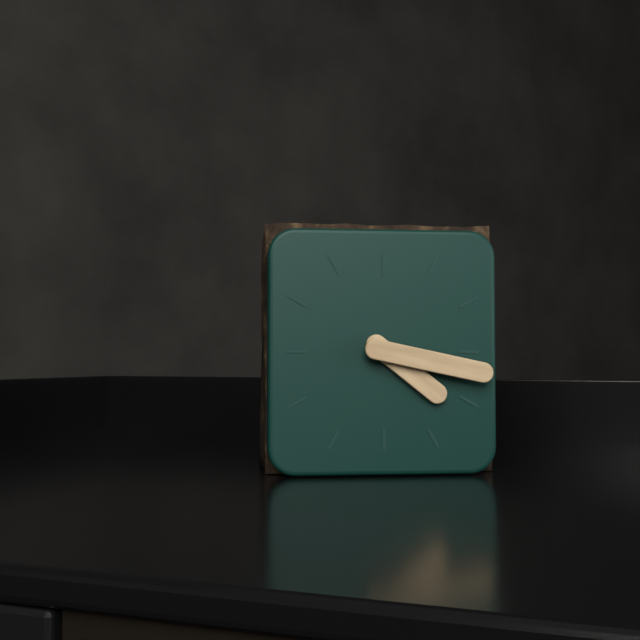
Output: 4h17
